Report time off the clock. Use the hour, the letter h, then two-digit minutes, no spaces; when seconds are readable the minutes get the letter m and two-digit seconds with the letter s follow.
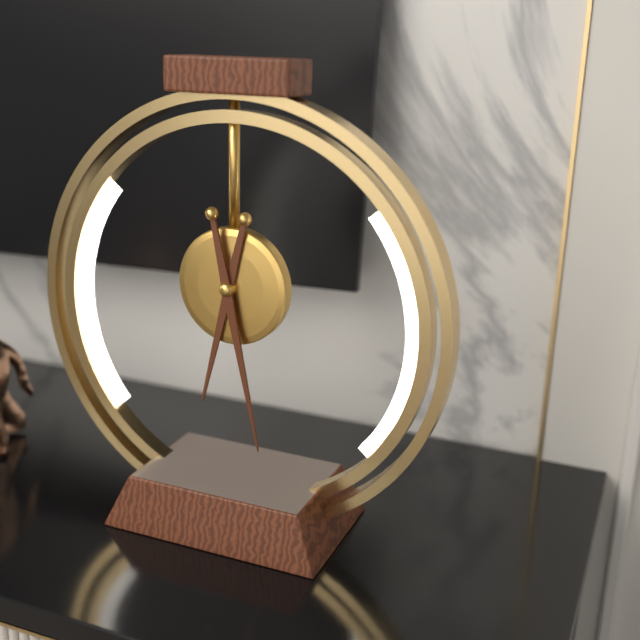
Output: 6h28
